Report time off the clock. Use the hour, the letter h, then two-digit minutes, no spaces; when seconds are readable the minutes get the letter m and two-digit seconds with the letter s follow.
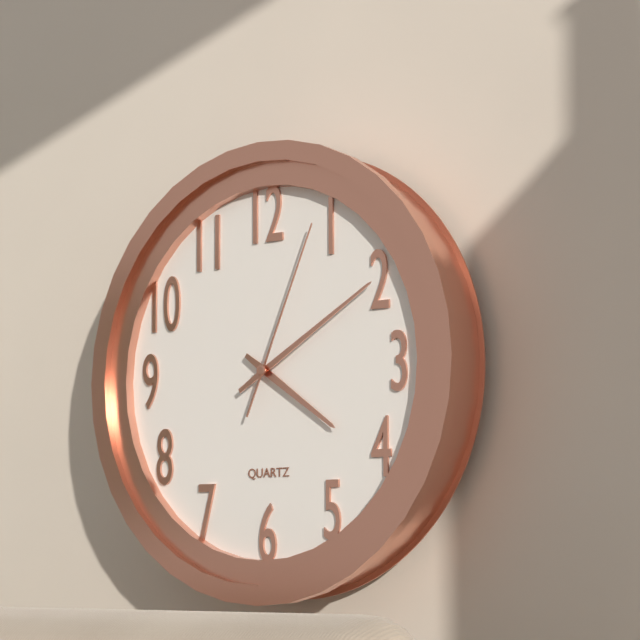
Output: 4h10m04s
